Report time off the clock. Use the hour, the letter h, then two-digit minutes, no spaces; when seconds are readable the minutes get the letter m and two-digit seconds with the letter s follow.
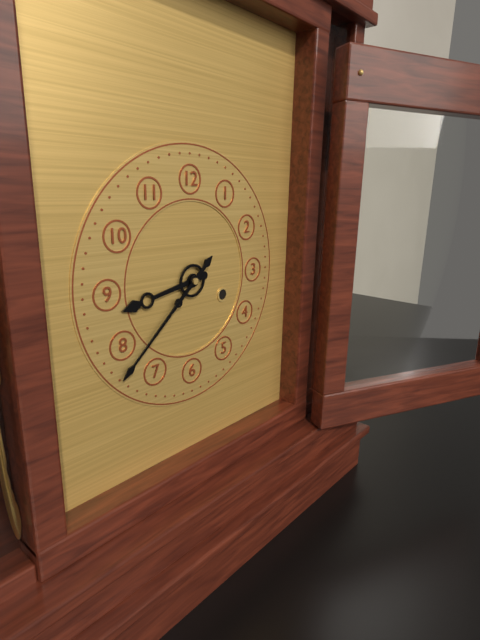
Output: 8h38
